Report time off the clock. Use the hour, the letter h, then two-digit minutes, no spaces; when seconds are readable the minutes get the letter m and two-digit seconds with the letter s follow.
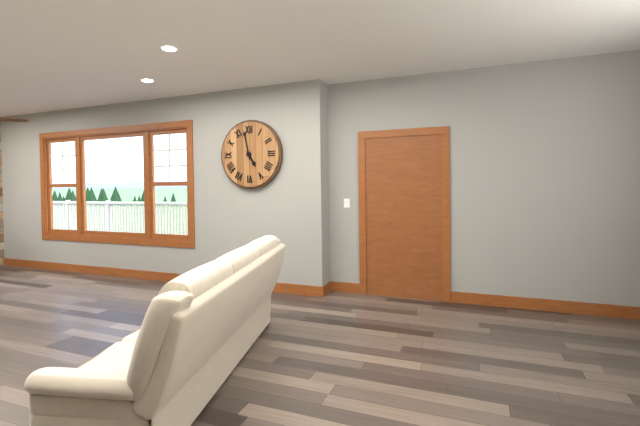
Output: 4h58
